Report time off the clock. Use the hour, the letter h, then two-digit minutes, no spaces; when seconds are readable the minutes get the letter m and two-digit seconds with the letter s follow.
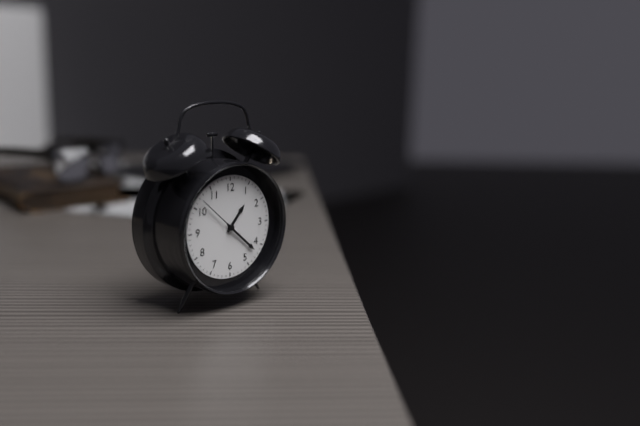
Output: 1h22
